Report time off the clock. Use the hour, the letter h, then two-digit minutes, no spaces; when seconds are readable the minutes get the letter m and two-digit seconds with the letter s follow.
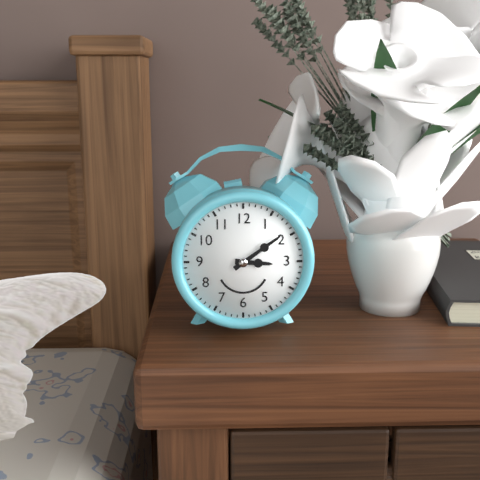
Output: 3h09
